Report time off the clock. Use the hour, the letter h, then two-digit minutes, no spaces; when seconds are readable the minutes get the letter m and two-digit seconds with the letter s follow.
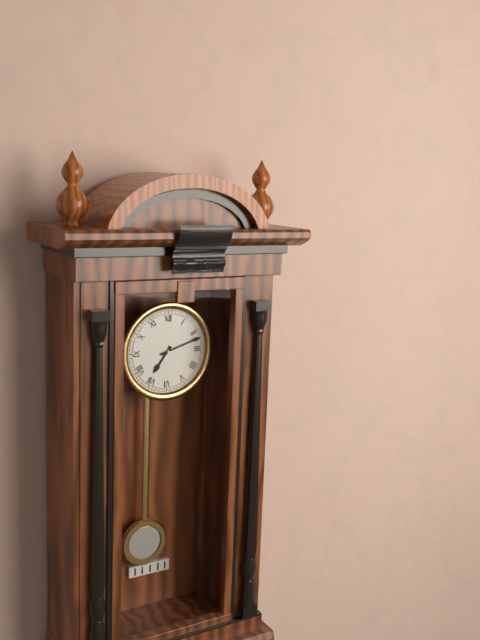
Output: 7h12
